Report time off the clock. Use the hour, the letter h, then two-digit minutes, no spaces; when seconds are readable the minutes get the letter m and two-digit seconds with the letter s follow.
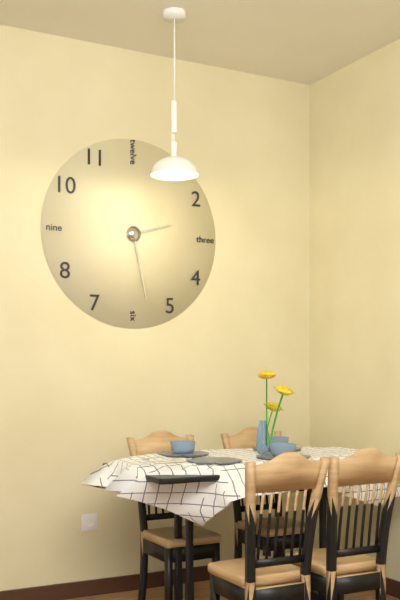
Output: 2h28
